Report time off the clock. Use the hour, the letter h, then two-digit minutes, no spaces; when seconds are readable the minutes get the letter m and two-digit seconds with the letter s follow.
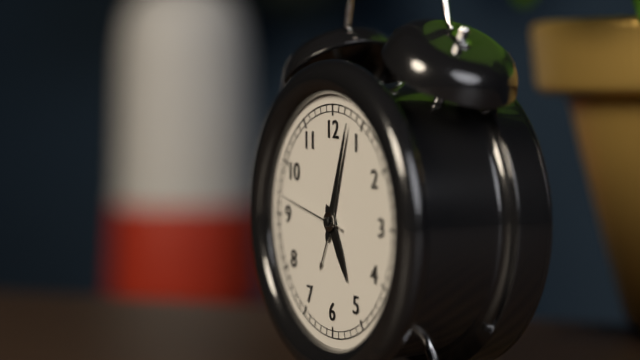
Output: 5h03m47s
